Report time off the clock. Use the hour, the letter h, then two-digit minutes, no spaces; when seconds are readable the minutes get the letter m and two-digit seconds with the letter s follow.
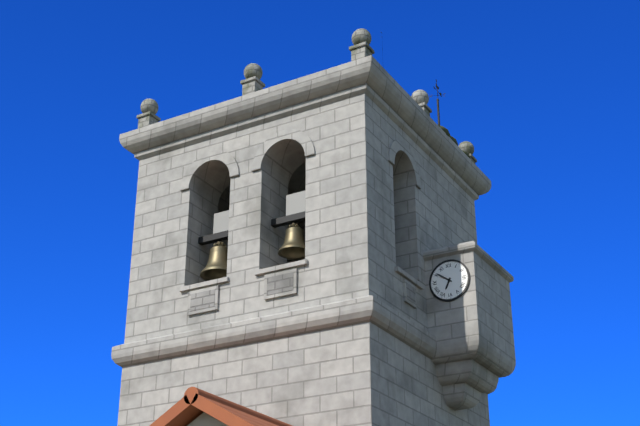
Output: 6h51
